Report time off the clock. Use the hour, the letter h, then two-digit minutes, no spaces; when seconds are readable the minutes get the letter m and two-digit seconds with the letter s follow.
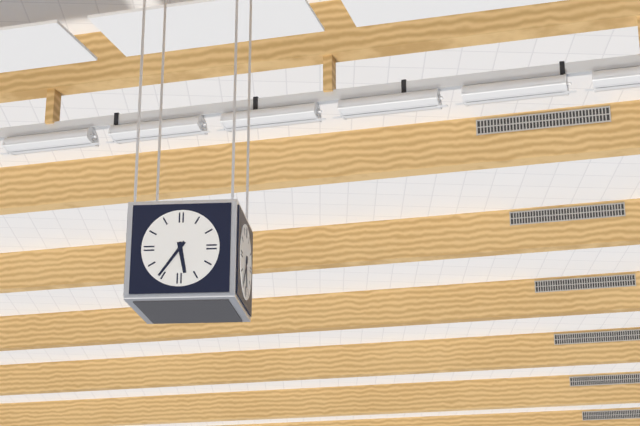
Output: 5h36
